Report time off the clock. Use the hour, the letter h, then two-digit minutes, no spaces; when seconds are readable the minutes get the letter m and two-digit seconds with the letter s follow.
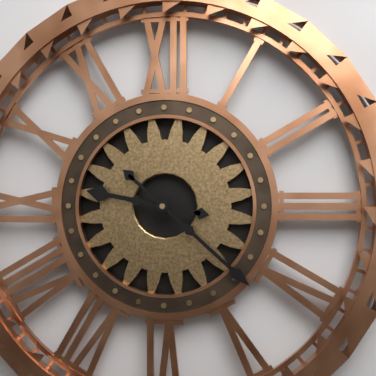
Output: 9h22
